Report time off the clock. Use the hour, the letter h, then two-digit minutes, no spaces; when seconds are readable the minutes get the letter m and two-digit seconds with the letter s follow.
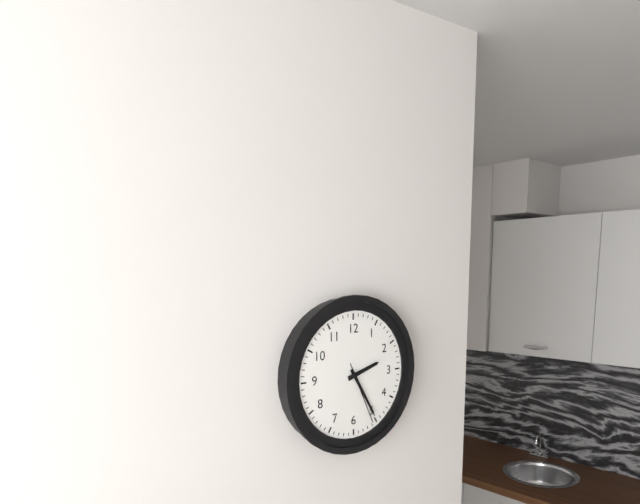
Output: 2h25m26s
